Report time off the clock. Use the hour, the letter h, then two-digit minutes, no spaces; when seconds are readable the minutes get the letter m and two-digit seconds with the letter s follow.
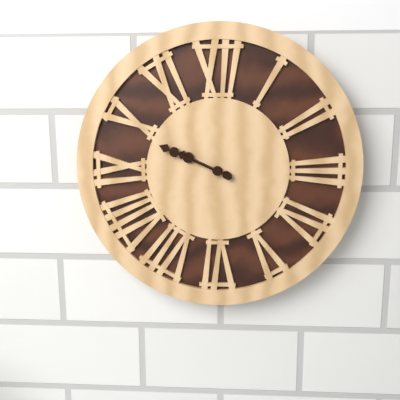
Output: 9h49
